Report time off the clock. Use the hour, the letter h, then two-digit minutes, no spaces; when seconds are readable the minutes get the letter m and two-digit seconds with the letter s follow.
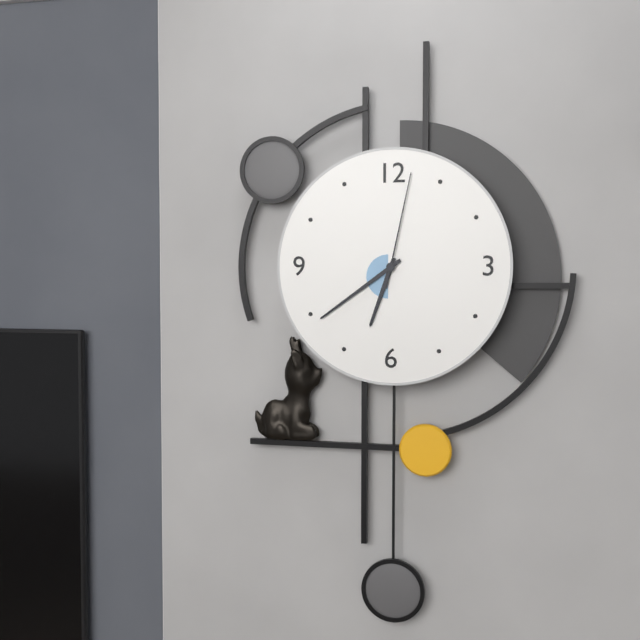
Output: 6h39m02s
